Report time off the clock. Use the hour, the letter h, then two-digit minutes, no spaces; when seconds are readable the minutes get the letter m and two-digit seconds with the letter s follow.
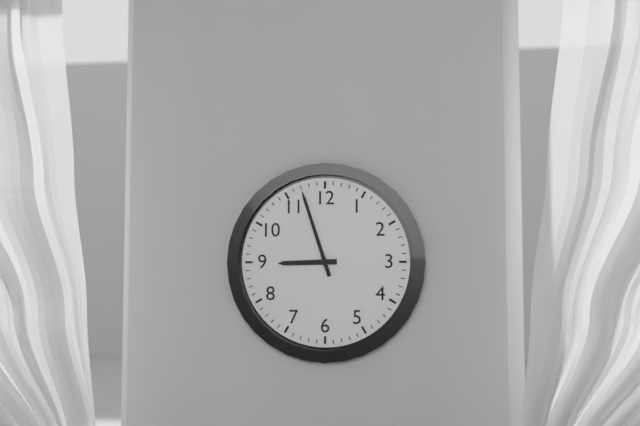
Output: 8h57
